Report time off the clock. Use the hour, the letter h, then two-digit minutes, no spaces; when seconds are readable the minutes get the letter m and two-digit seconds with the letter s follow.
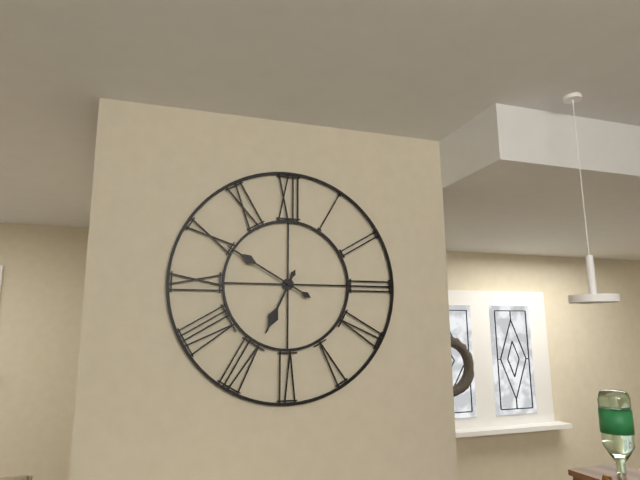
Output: 6h50
